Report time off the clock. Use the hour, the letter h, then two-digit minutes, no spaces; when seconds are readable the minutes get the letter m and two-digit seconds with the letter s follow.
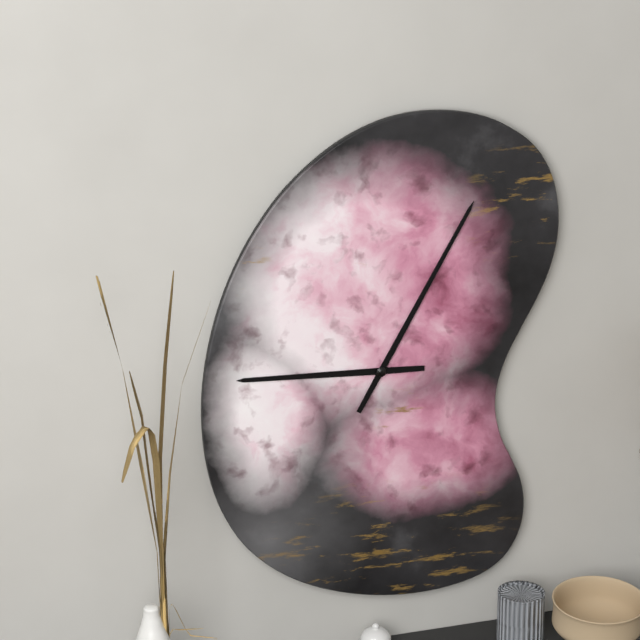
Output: 9h05
